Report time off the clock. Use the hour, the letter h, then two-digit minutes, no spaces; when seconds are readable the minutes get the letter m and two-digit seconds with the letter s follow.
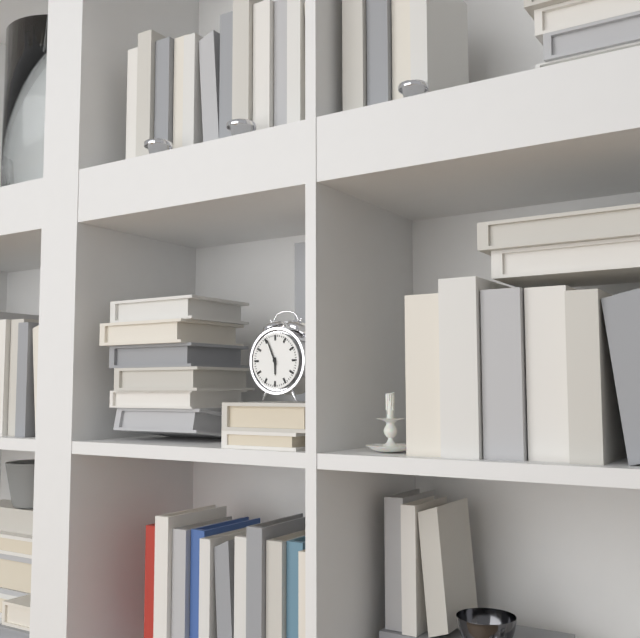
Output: 5h56
